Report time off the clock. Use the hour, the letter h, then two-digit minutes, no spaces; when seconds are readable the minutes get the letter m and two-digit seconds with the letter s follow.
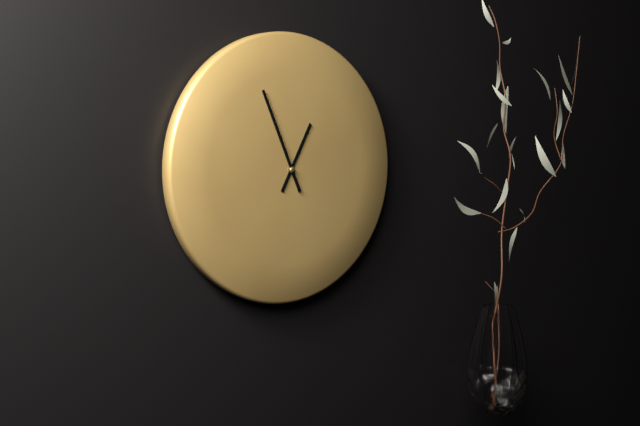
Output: 12h56
